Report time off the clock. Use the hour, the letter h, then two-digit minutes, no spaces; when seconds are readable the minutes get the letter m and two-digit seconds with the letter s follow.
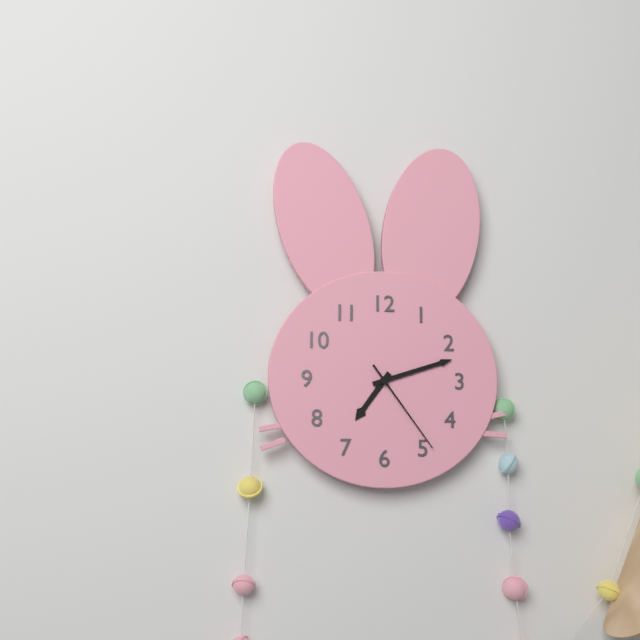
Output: 7h12m24s
